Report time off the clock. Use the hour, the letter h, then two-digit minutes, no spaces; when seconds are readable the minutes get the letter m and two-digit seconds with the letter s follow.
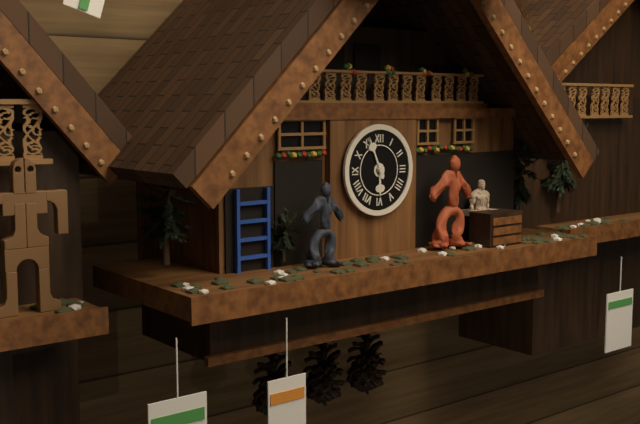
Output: 5h56
